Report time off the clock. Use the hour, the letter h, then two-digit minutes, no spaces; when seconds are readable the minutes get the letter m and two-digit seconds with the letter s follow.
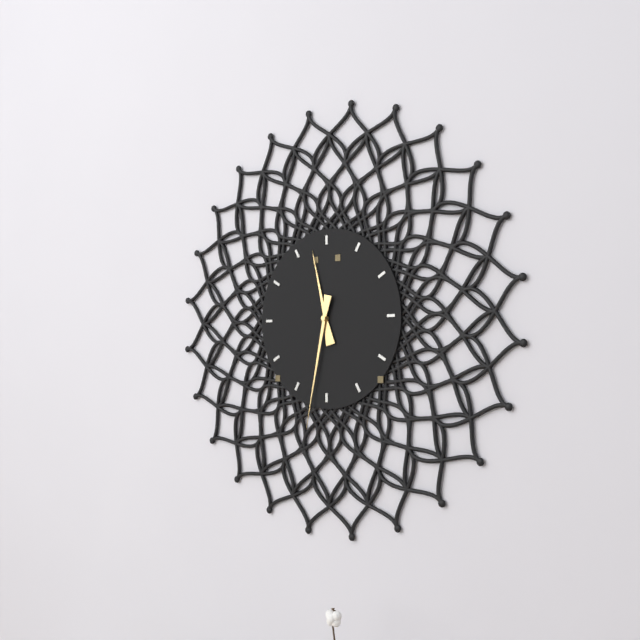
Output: 11h32
